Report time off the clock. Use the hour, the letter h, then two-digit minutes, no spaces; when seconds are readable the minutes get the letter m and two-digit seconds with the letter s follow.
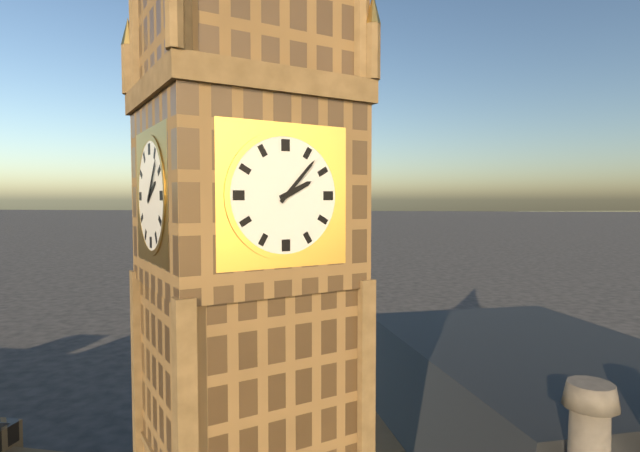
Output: 2h07
